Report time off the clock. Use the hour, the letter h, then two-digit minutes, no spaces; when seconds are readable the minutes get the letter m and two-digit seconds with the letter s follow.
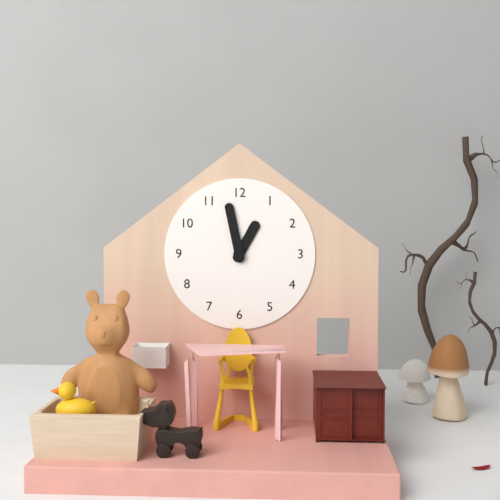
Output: 12h58
